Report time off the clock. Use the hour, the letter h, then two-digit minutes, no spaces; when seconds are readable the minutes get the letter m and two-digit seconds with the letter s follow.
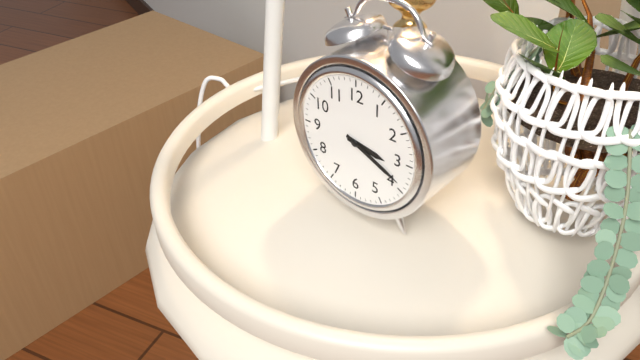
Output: 3h19
